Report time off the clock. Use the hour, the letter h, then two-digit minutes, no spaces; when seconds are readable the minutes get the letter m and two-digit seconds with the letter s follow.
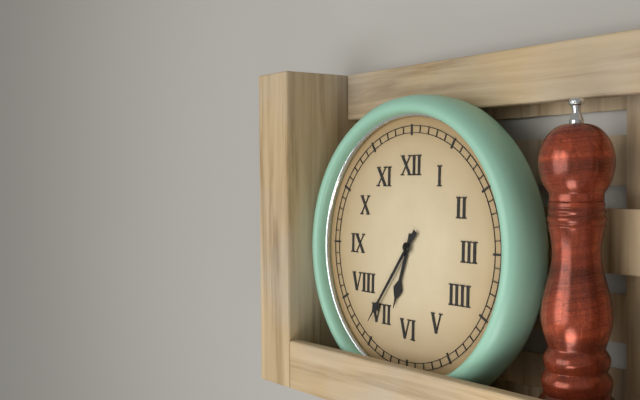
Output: 6h36
